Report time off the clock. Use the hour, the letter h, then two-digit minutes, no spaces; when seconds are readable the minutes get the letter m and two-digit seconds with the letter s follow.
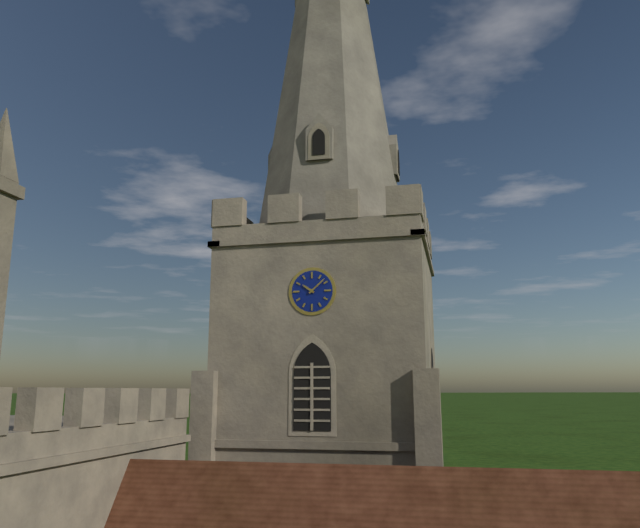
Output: 10h08
